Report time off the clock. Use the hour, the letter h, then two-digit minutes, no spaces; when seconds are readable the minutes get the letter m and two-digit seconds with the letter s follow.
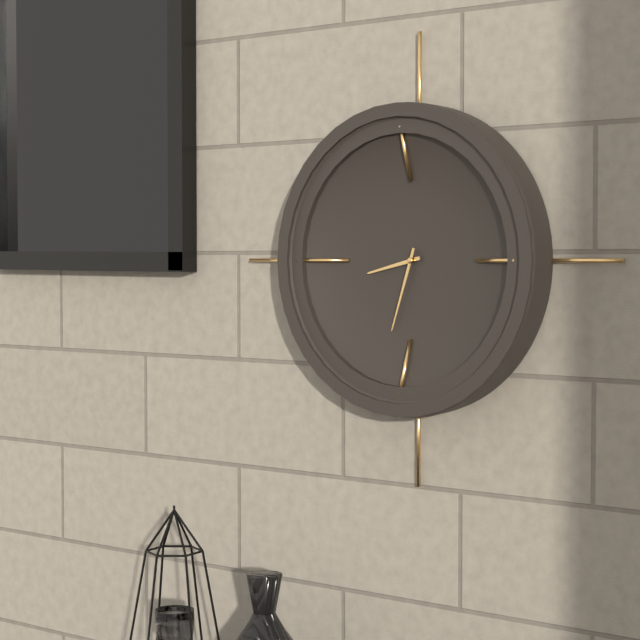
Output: 8h33
